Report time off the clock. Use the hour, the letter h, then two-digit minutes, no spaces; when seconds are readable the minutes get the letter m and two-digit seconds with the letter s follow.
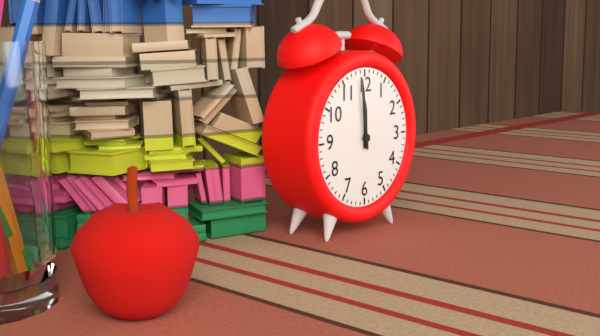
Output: 11h59
